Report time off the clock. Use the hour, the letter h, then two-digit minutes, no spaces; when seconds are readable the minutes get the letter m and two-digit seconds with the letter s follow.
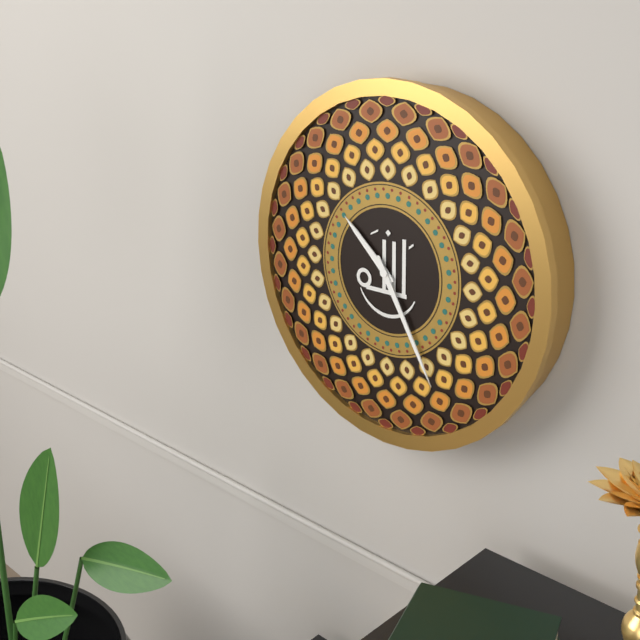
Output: 10h25
